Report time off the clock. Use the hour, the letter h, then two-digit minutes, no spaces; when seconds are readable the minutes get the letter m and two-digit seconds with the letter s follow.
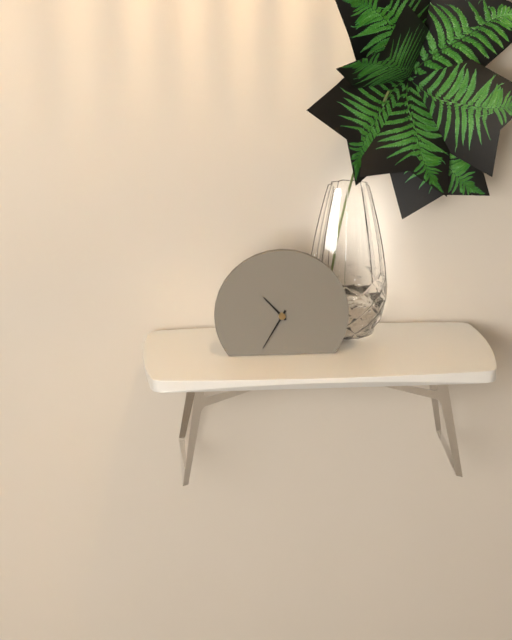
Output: 10h35
